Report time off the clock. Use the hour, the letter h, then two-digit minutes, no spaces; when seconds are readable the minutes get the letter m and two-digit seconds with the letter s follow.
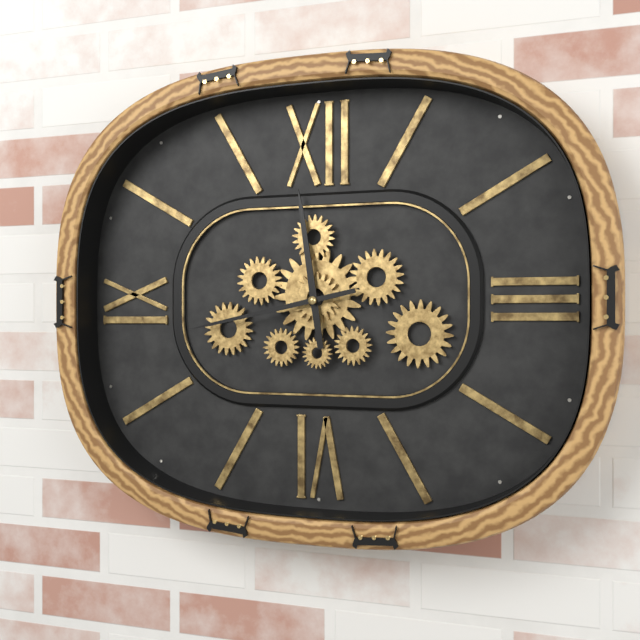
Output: 11h43
